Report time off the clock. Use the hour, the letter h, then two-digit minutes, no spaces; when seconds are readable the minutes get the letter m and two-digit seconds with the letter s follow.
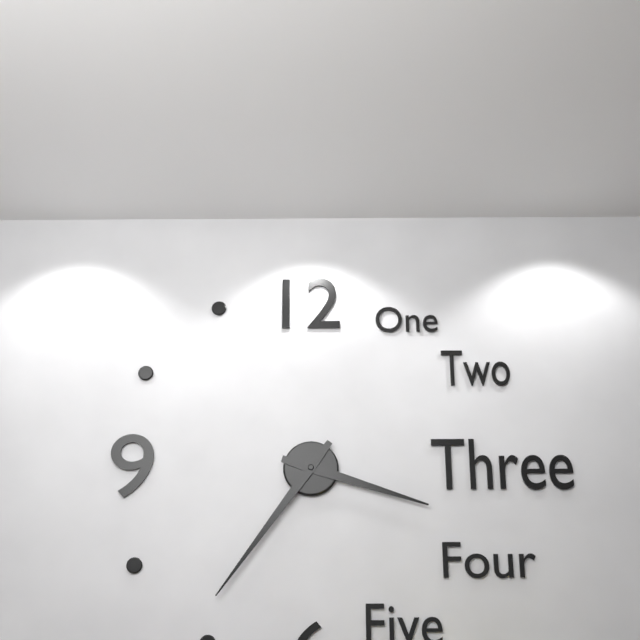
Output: 3h36
